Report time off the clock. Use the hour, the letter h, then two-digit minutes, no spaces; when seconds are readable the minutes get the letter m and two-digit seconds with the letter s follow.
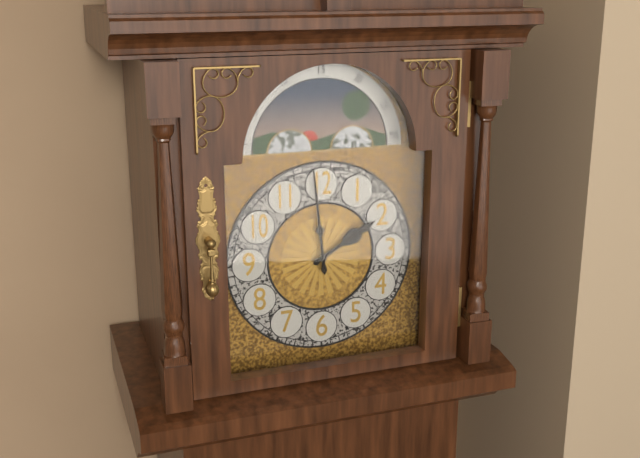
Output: 1h59
